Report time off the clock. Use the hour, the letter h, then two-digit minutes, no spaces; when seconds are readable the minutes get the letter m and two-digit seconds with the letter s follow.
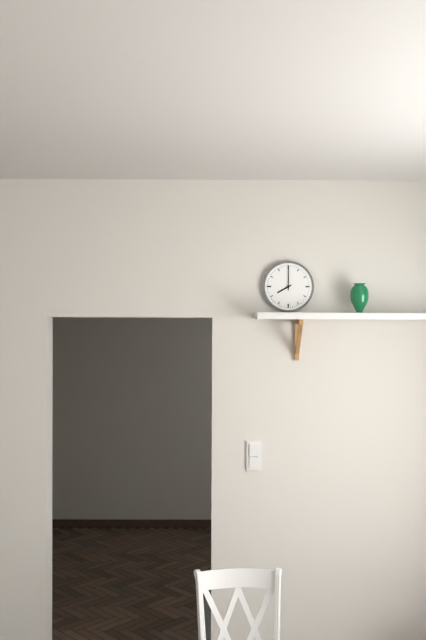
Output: 8h00
